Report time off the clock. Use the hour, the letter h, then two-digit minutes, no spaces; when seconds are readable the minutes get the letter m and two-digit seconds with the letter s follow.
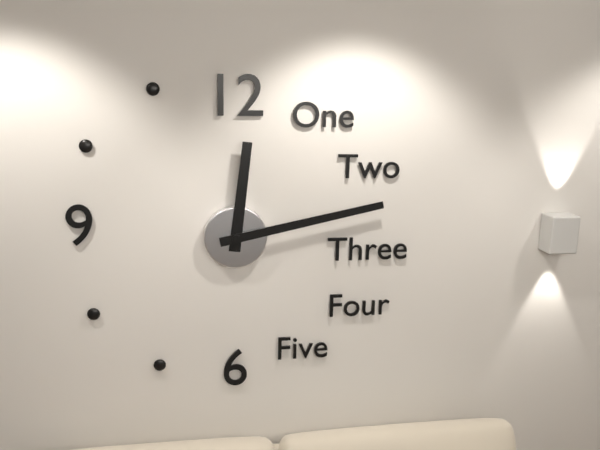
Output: 12h13
